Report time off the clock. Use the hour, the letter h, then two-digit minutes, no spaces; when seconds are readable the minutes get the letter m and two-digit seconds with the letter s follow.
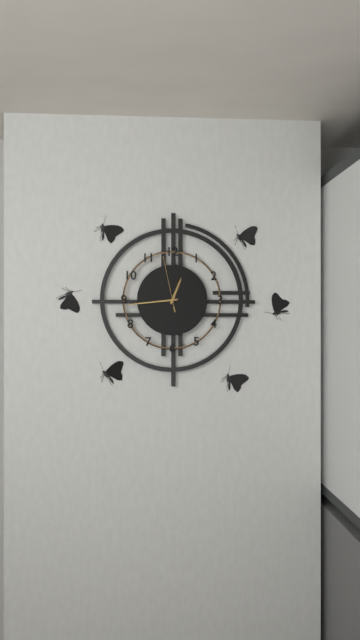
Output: 12h44m58s
